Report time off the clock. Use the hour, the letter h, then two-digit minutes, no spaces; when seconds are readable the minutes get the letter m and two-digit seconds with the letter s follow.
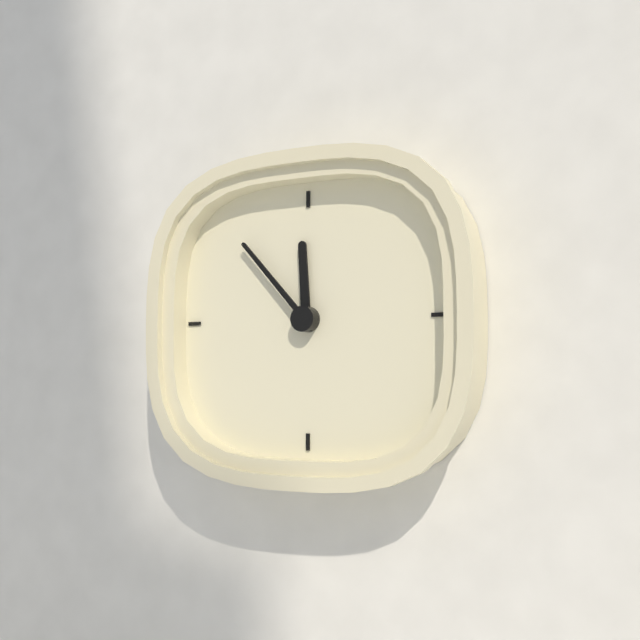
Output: 11h53
